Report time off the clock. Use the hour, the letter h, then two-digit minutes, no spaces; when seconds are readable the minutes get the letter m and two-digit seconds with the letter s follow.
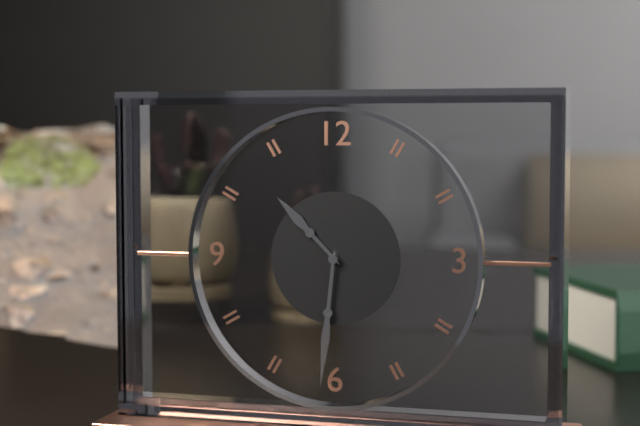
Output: 10h31
